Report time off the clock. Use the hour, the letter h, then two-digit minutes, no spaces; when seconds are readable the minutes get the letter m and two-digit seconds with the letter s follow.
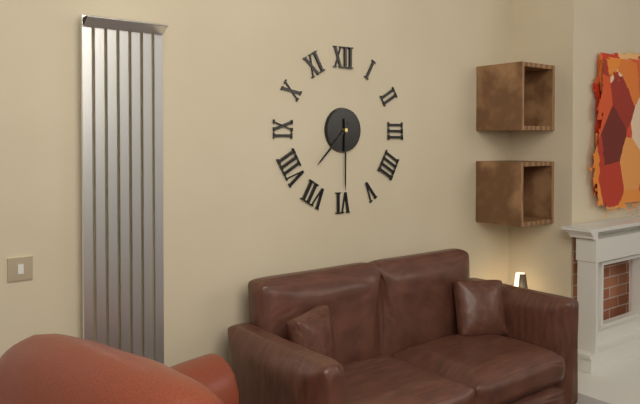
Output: 7h30
